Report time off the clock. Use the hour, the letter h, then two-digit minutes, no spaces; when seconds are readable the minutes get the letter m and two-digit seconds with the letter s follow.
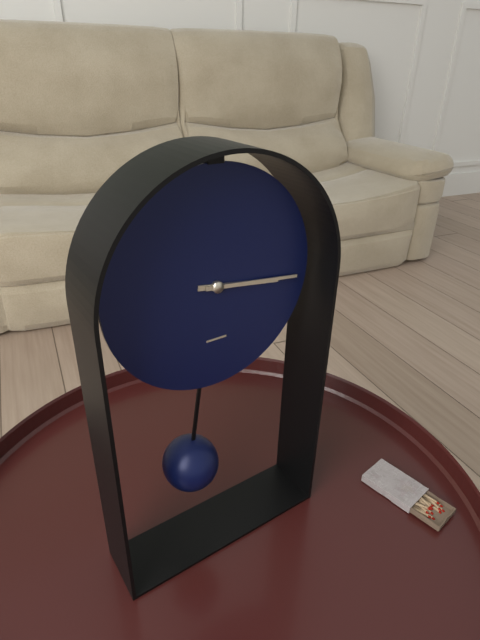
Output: 3h16
